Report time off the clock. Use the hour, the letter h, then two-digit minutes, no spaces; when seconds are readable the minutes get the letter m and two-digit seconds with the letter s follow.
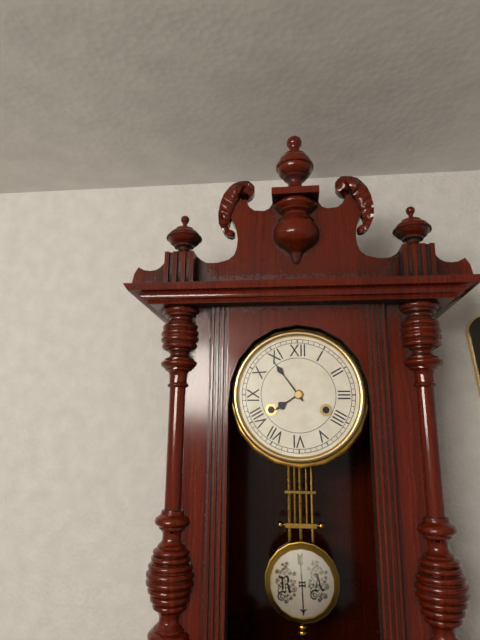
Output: 7h54
